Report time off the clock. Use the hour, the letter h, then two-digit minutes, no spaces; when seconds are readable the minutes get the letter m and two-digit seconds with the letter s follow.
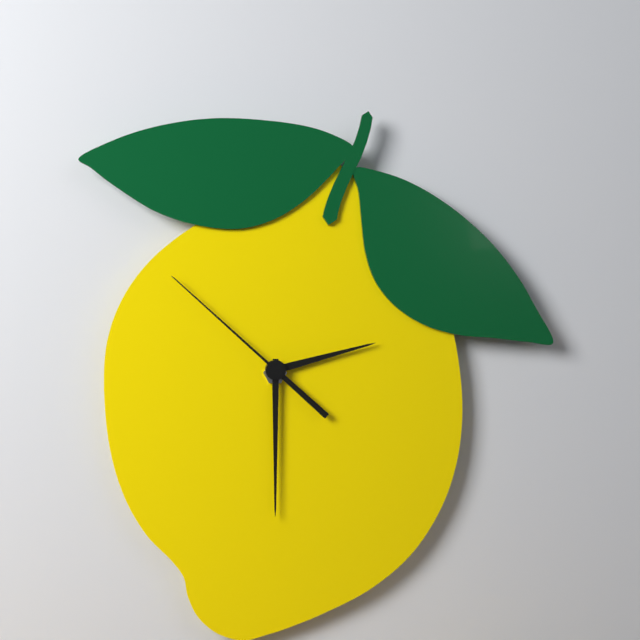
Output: 2h30m52s
